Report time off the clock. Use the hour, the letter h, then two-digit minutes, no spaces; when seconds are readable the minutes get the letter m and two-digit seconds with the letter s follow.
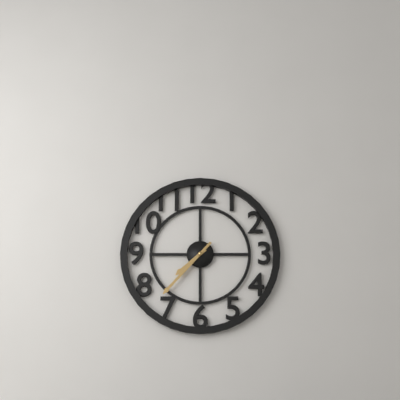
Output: 7h37
